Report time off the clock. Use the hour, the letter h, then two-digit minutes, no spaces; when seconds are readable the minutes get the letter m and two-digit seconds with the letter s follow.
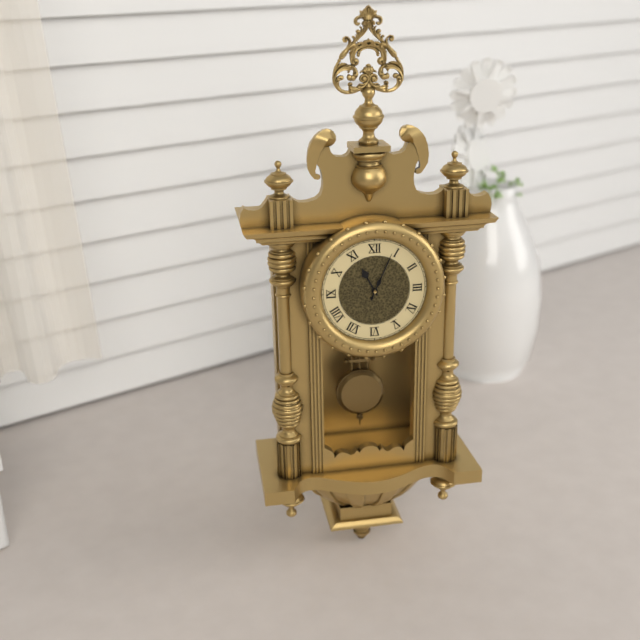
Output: 11h04
